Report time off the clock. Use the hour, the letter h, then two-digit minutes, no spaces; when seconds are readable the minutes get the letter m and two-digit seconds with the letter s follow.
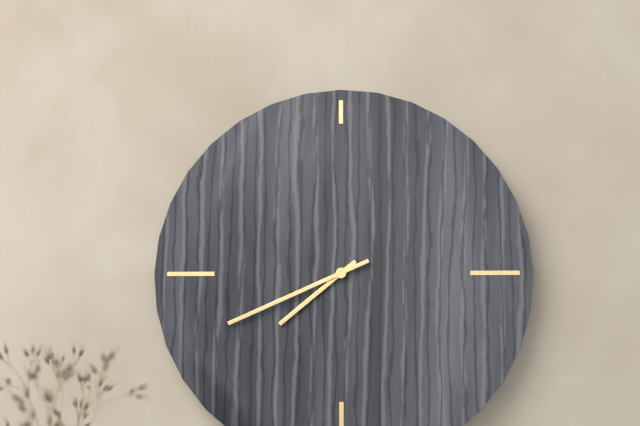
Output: 7h41
